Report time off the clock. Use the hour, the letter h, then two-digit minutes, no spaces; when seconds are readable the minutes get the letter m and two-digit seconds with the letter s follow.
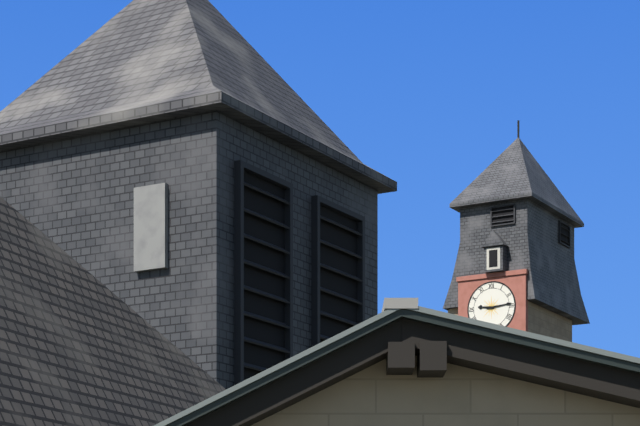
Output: 9h14
